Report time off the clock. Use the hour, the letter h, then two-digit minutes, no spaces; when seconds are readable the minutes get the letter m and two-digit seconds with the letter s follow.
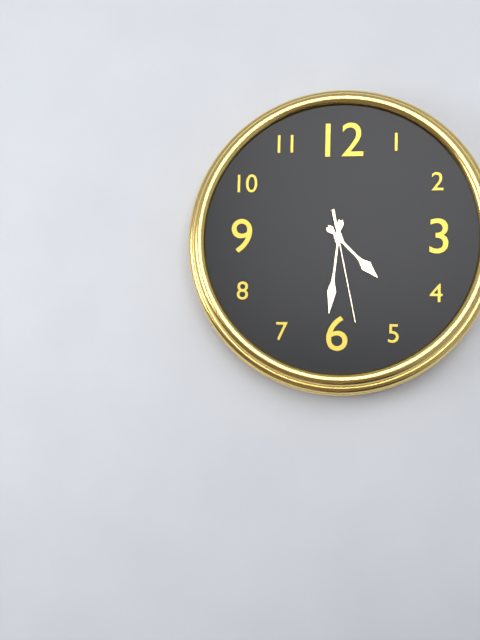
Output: 4h31m28s
